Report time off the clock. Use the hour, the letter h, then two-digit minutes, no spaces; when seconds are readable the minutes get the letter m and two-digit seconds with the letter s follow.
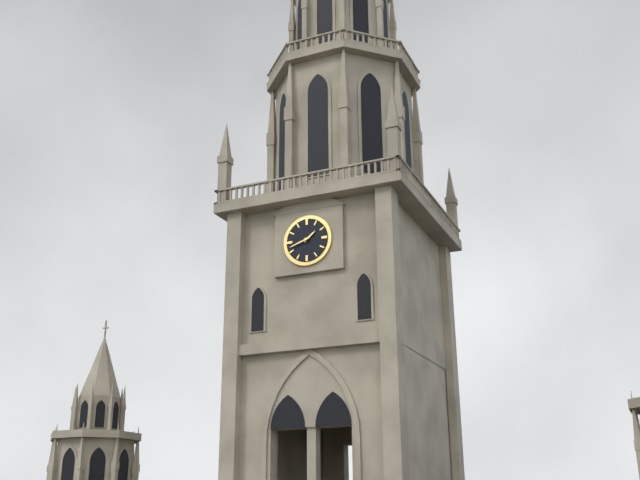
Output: 1h42
